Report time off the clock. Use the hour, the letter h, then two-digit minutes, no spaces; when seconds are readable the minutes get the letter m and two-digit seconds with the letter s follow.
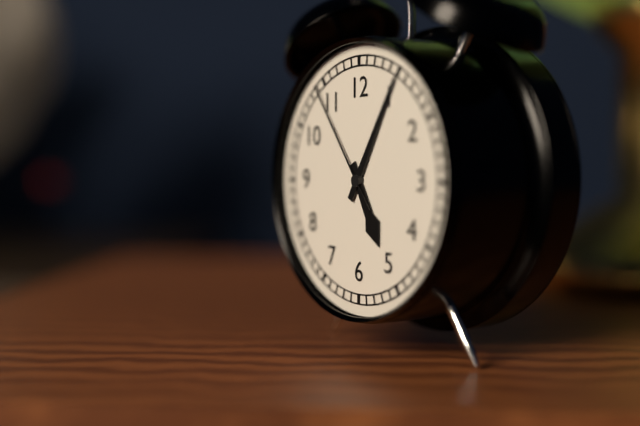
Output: 5h05m54s
